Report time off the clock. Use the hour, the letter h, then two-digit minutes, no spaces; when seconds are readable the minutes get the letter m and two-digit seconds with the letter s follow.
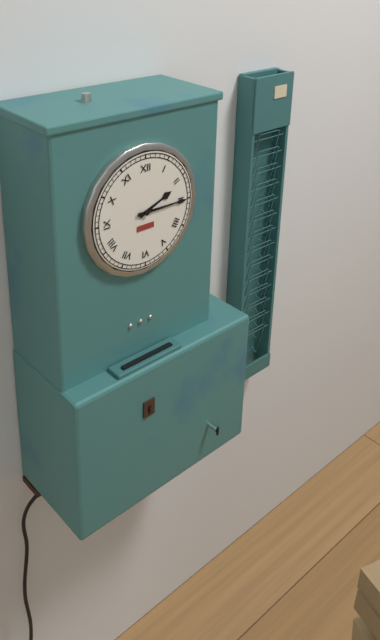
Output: 2h15
